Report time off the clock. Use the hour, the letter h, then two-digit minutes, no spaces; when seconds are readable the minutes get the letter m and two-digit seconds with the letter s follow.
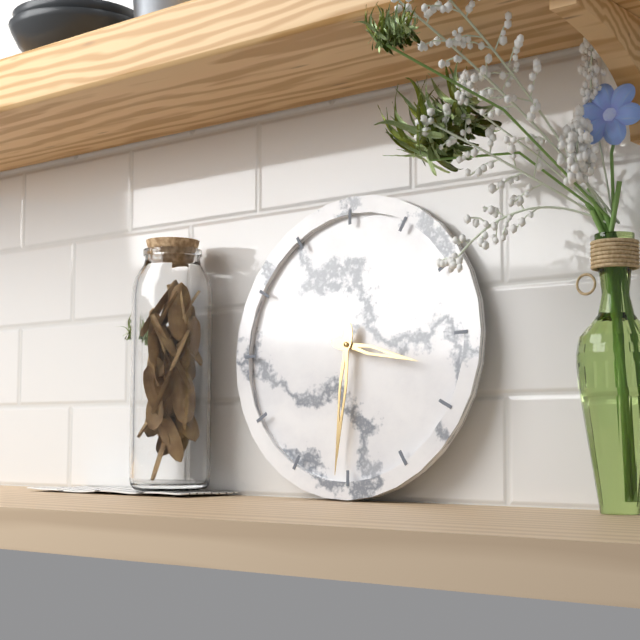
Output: 3h31
